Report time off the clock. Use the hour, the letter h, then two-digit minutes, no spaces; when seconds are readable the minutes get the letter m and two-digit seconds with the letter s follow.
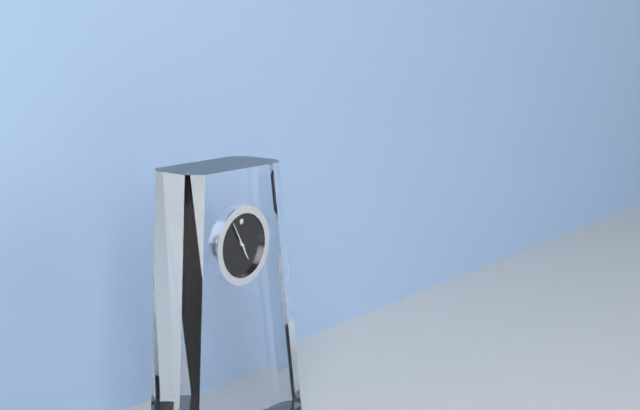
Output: 4h55
